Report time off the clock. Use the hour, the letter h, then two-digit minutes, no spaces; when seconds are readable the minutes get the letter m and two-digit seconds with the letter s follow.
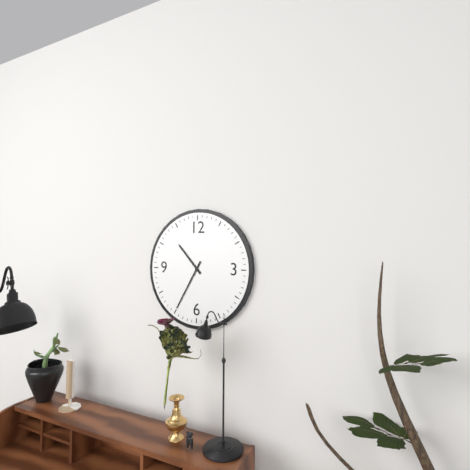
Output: 10h35
